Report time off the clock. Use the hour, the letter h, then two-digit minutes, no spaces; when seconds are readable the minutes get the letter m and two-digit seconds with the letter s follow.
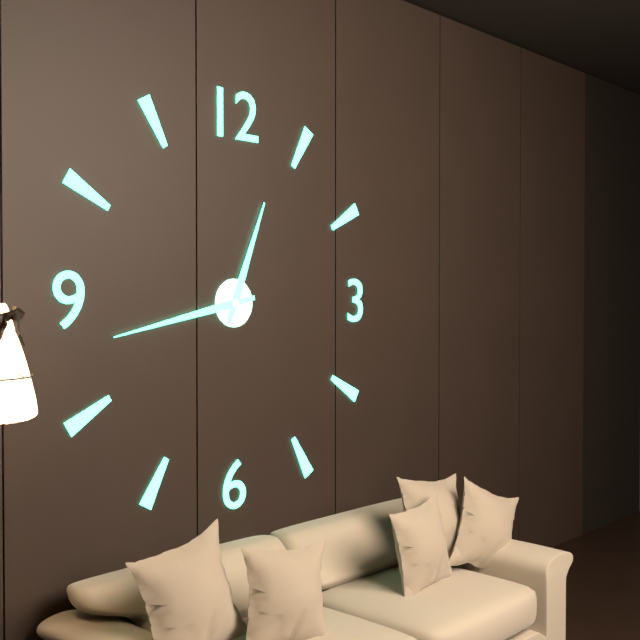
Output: 12h43
